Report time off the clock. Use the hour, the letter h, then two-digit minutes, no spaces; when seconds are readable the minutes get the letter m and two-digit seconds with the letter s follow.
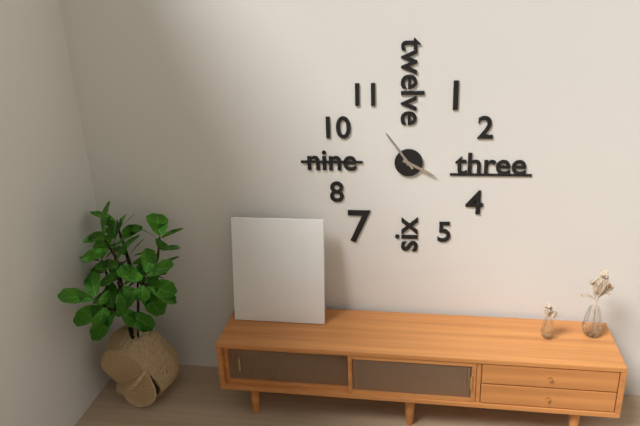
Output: 3h54
